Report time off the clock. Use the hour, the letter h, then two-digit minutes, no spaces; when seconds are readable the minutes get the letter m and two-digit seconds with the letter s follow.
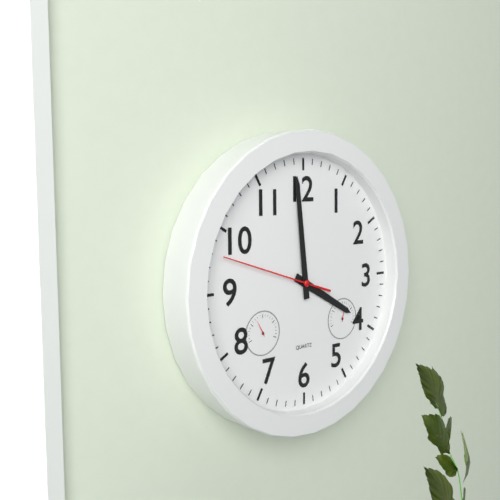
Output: 3h59m48s
